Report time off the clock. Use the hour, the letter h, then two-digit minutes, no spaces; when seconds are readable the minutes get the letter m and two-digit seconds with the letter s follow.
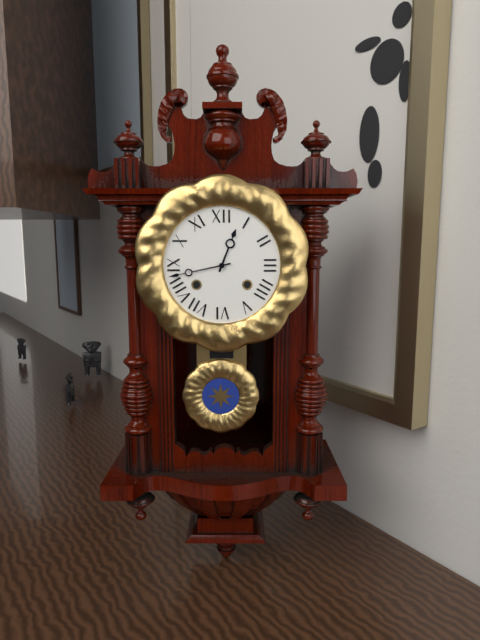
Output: 12h43
